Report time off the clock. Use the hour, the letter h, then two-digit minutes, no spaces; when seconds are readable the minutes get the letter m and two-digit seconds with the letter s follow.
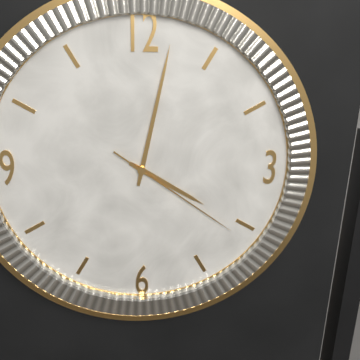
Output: 4h02m21s
